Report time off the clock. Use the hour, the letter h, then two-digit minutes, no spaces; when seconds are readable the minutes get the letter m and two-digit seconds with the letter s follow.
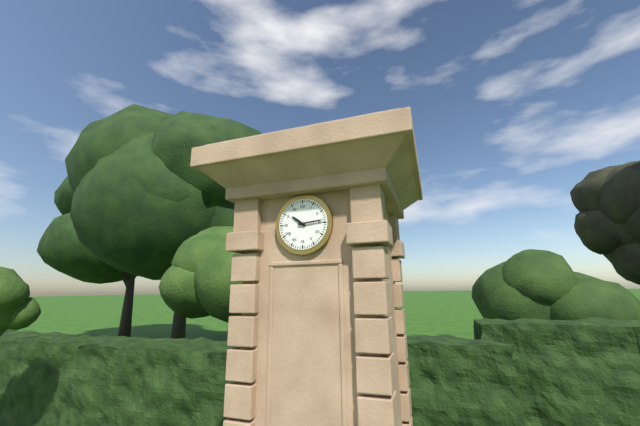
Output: 10h14
